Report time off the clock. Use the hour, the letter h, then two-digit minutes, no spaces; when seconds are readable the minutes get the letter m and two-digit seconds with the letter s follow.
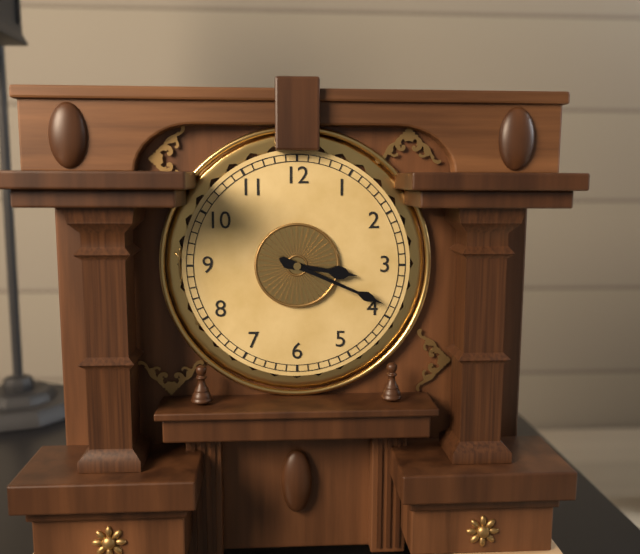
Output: 3h19
